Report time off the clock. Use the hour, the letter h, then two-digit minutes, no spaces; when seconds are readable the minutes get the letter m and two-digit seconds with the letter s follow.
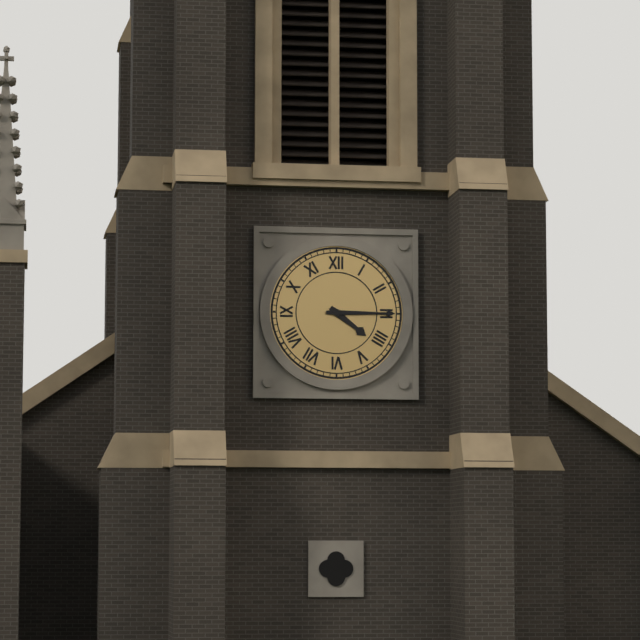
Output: 4h15
